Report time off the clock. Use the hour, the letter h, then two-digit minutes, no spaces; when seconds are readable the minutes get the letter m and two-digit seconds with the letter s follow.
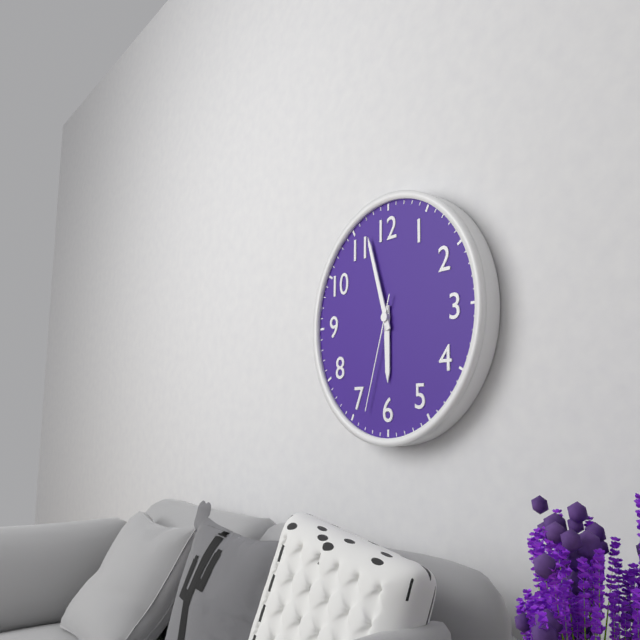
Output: 5h57m33s
